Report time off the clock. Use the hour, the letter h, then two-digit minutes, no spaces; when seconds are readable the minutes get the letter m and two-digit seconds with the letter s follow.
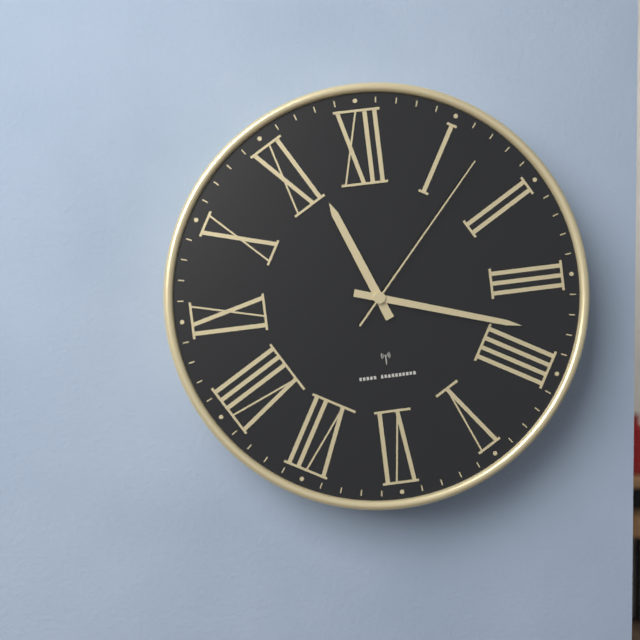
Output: 11h18m07s
